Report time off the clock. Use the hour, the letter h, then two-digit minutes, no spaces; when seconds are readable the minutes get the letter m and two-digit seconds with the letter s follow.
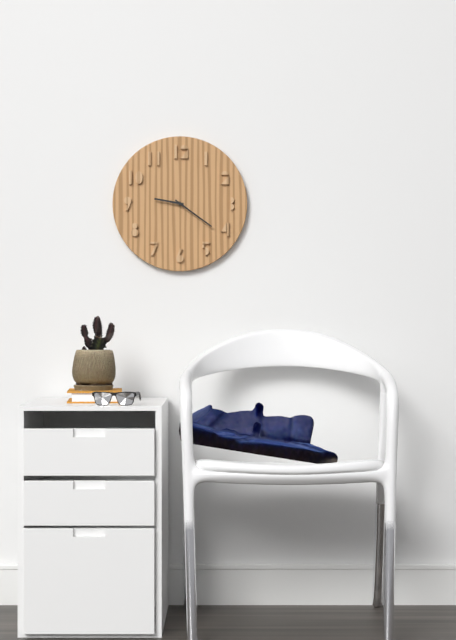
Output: 9h21
